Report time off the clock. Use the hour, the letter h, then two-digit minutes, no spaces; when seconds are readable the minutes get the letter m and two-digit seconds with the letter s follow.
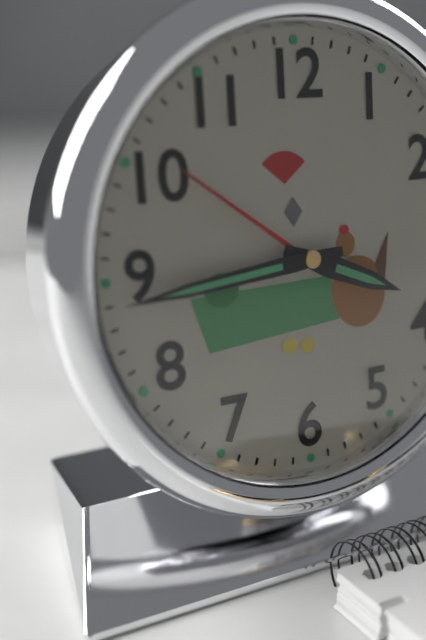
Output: 3h44
